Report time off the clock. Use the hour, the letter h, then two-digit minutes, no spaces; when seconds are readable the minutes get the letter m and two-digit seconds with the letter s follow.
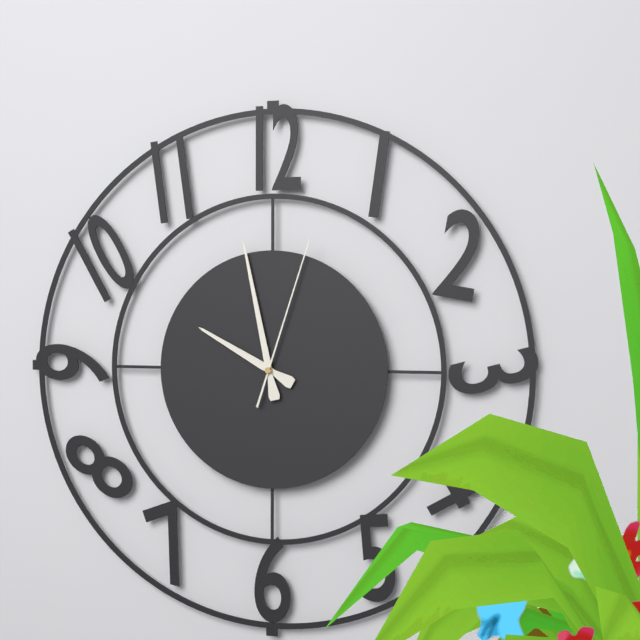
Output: 9h58m03s
